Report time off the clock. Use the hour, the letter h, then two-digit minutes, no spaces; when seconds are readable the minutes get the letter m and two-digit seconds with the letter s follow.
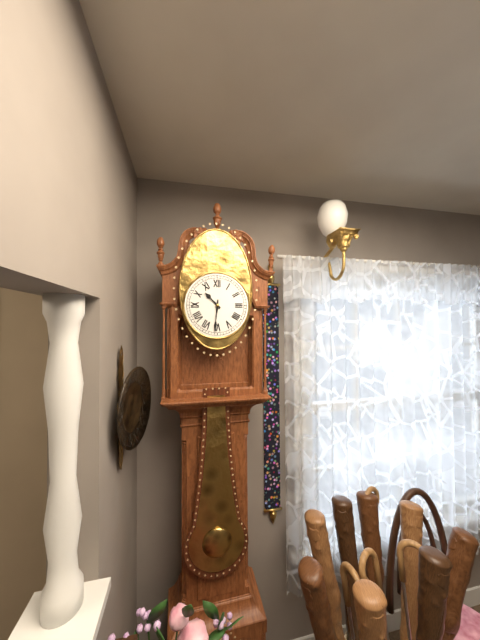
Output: 10h31
